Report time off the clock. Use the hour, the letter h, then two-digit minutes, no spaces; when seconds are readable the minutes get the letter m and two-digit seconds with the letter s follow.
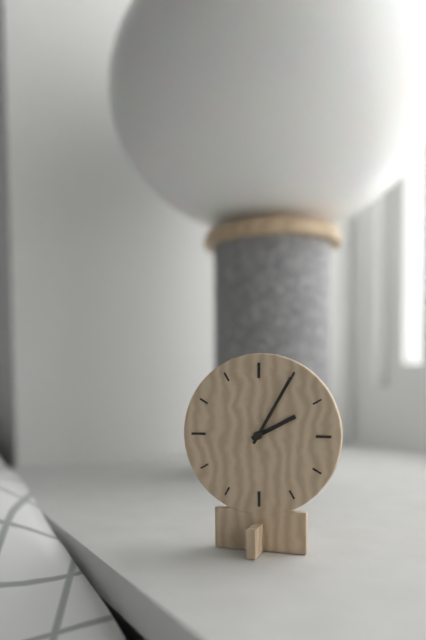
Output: 2h05
